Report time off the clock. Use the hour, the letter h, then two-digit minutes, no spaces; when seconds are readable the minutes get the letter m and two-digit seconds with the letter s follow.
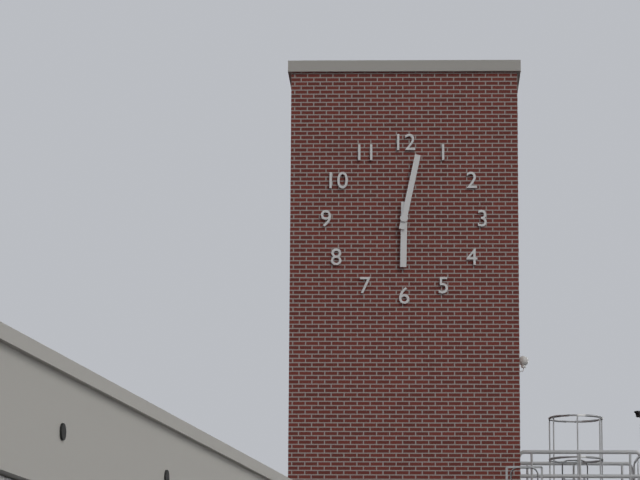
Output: 6h02
